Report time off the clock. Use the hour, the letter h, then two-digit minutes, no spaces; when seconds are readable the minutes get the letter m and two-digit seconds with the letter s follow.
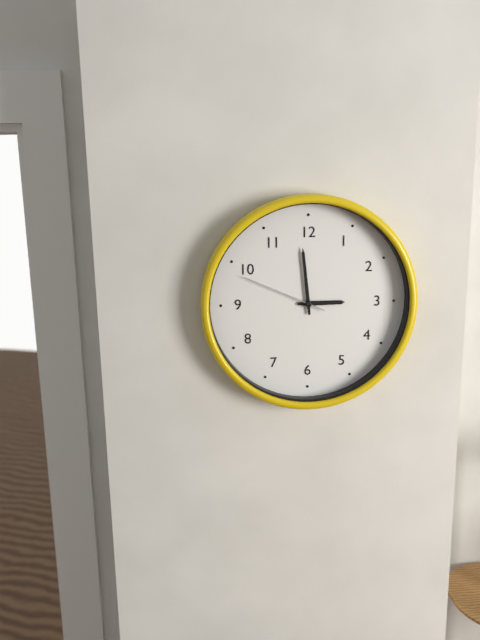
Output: 2h59m49s
